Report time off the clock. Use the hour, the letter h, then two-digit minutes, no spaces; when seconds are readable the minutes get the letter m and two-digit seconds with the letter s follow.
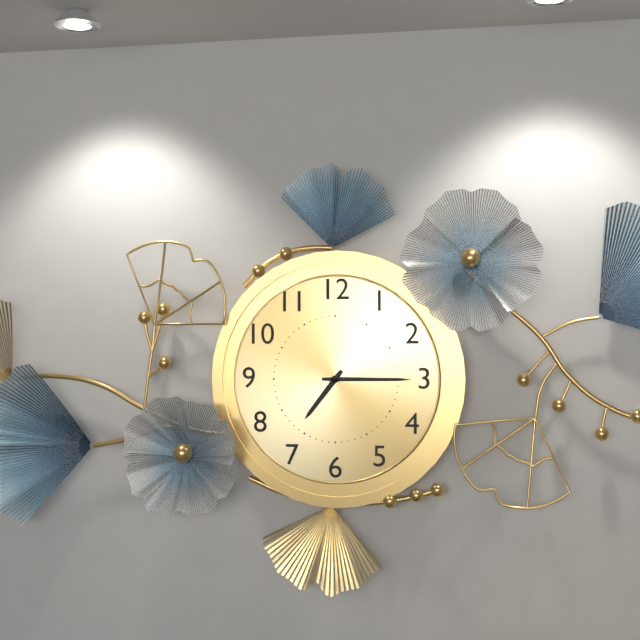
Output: 7h15
